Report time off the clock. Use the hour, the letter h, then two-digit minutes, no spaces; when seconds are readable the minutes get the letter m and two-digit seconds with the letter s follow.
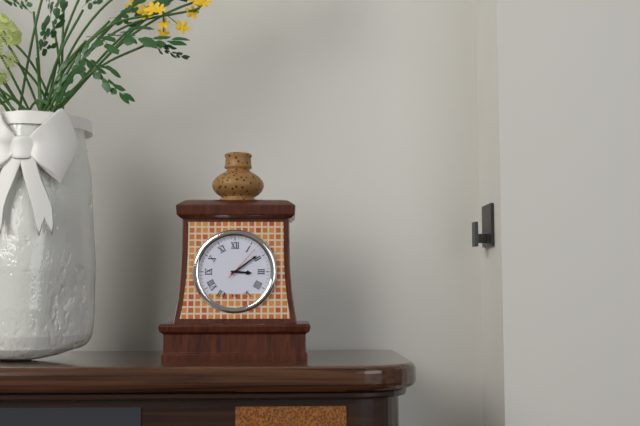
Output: 3h09
